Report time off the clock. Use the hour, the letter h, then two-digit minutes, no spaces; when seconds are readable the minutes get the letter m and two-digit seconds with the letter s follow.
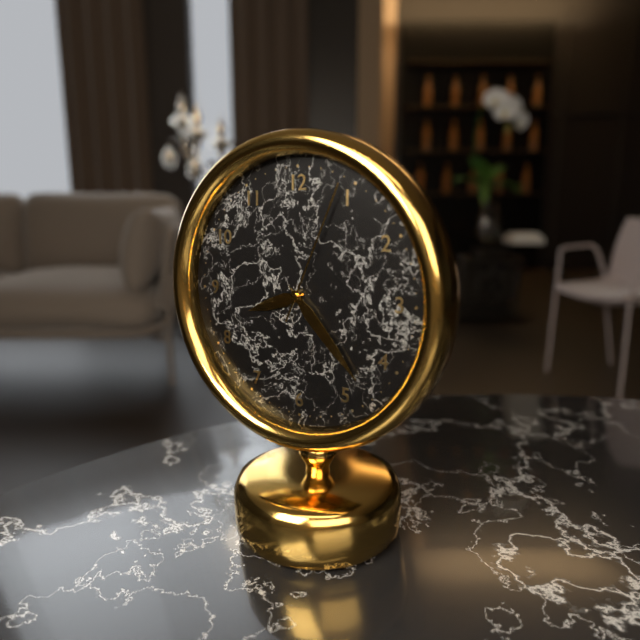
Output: 8h23m04s
